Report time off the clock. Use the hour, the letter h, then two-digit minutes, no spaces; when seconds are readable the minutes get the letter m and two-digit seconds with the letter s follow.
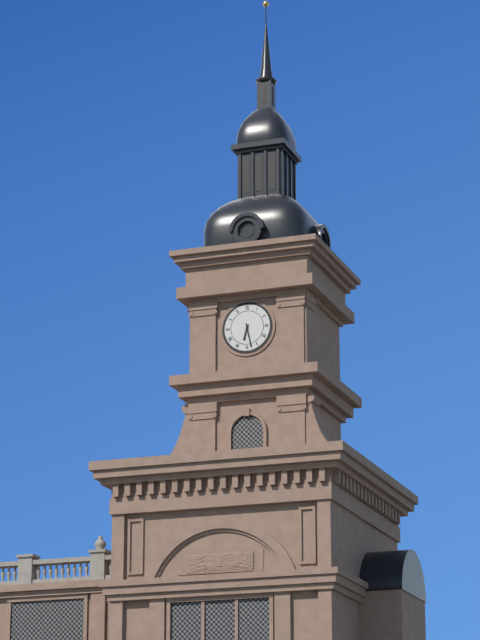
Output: 6h28
